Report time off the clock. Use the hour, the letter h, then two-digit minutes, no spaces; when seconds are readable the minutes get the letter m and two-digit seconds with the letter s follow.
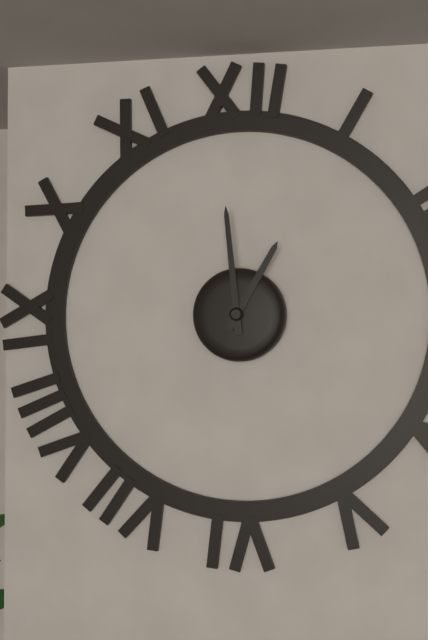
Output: 12h59
